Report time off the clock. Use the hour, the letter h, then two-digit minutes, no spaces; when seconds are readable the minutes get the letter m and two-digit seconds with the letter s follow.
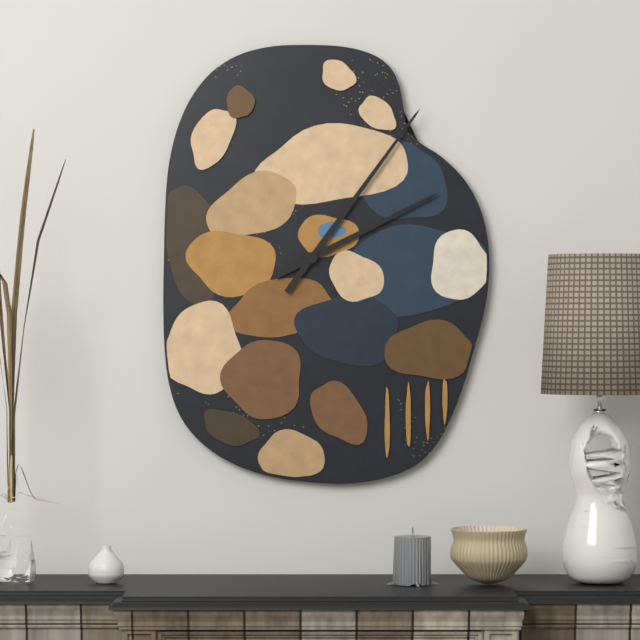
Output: 2h06
